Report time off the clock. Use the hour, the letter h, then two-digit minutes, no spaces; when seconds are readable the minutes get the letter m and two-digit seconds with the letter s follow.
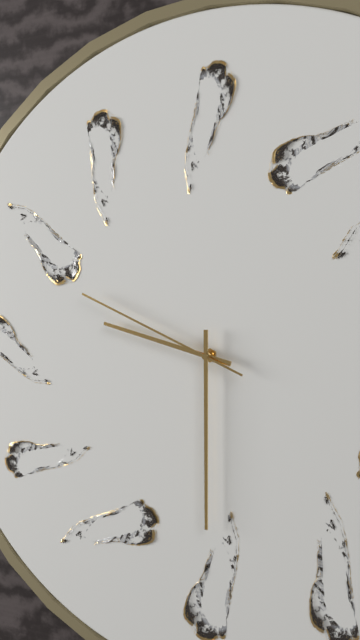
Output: 9h30m49s
